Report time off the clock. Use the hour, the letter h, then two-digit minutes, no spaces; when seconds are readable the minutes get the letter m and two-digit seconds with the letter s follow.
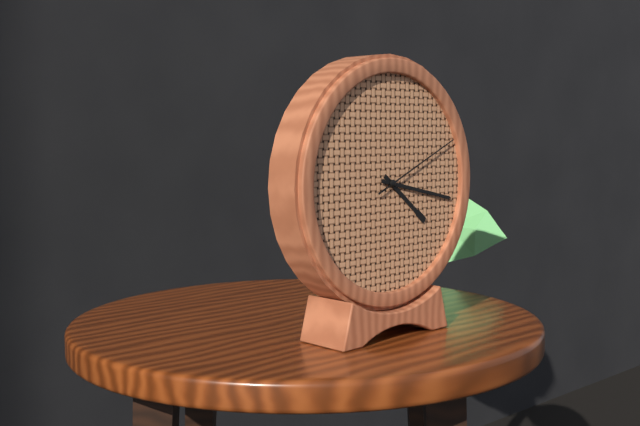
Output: 4h17m11s
